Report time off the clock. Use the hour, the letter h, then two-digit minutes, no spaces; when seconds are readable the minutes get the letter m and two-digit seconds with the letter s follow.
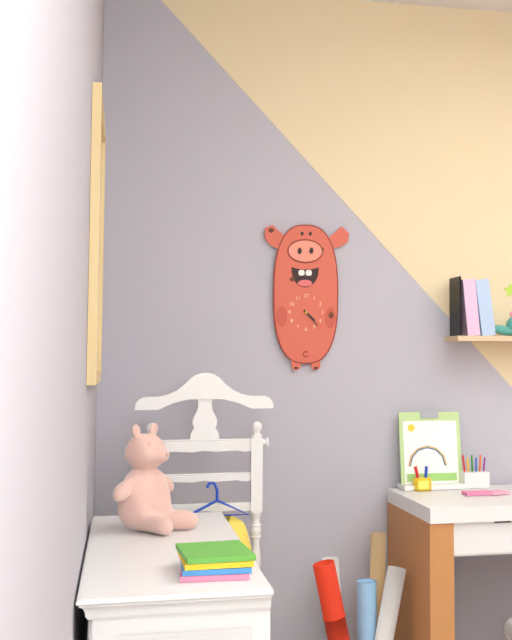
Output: 4h23
